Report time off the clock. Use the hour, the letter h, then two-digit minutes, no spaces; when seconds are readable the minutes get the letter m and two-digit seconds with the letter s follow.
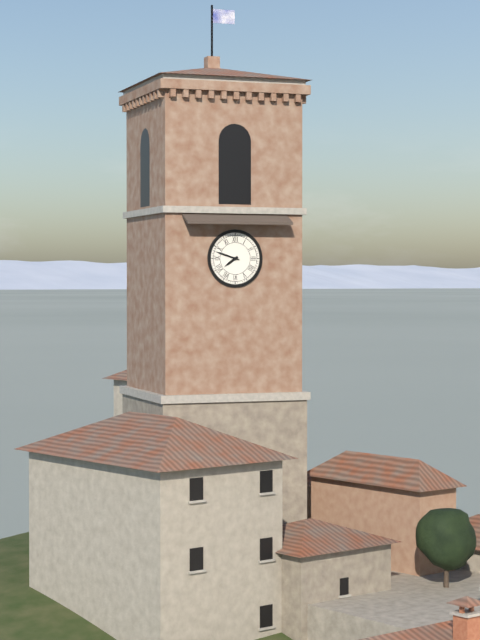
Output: 7h48
